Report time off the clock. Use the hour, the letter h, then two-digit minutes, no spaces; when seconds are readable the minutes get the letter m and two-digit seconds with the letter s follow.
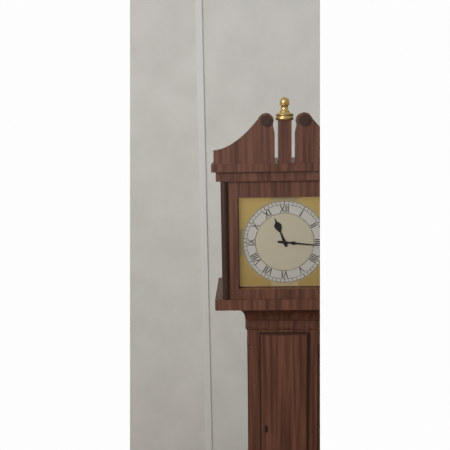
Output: 11h16
